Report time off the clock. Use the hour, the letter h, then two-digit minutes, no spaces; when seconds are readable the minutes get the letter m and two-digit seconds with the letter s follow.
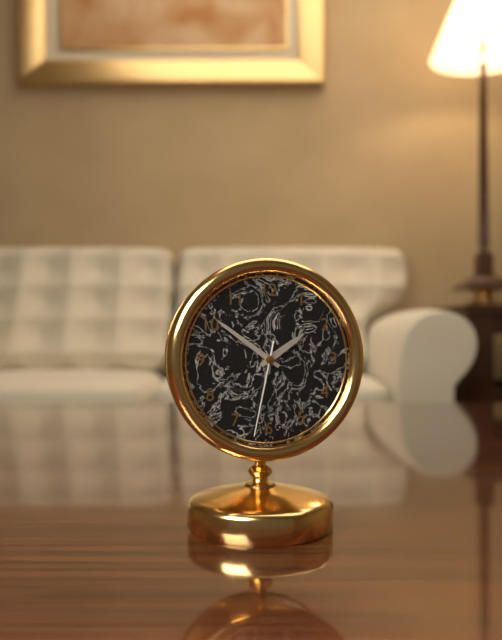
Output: 1h51m32s
